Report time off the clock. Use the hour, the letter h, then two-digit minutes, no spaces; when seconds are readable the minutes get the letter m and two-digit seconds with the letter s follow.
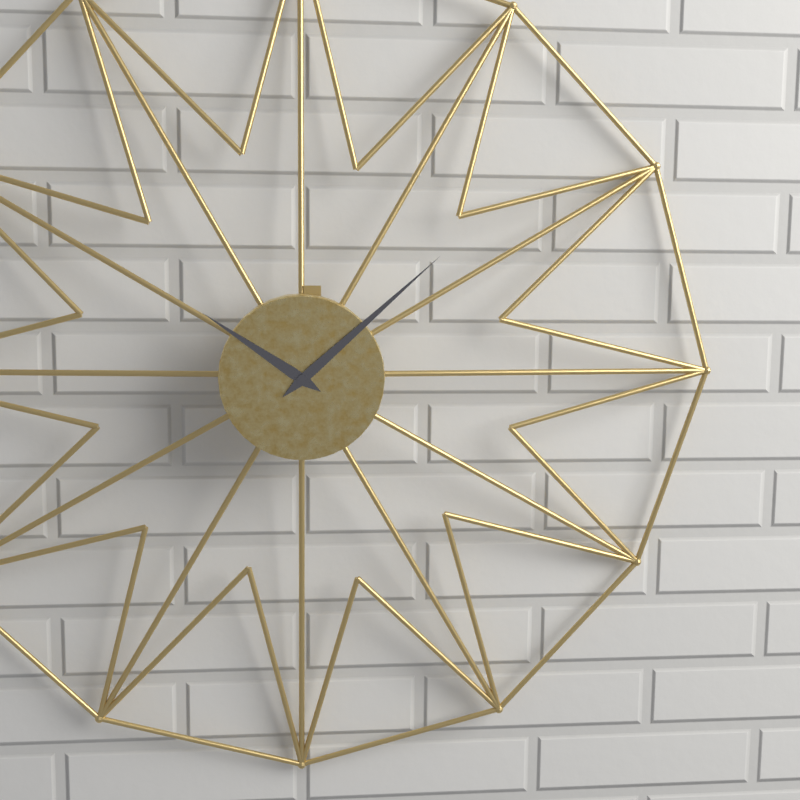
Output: 10h08
